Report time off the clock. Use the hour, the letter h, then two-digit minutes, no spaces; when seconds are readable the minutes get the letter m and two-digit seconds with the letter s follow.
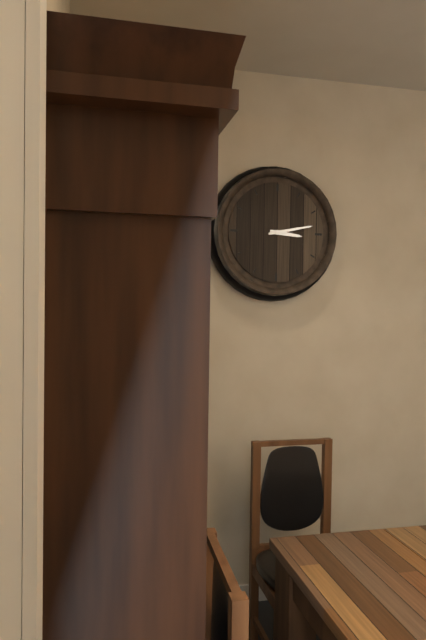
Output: 3h13
